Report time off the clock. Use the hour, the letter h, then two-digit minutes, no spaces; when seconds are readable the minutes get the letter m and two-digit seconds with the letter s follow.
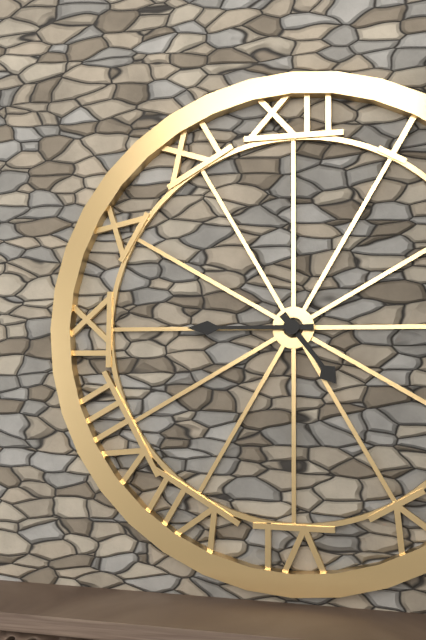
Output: 4h45
